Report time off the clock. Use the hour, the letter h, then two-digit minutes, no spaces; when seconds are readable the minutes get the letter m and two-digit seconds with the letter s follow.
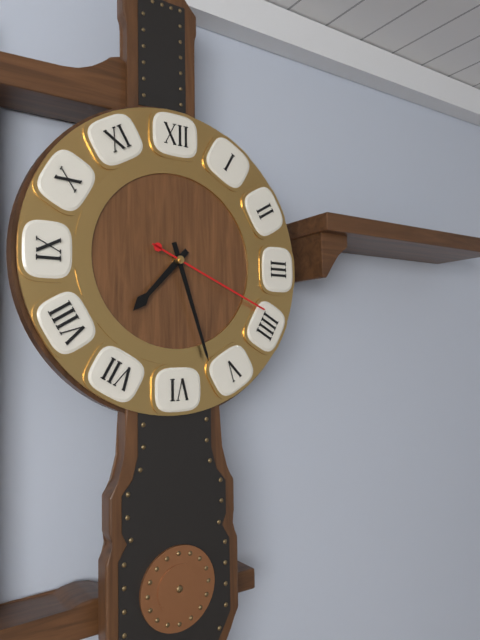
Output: 7h27m19s
